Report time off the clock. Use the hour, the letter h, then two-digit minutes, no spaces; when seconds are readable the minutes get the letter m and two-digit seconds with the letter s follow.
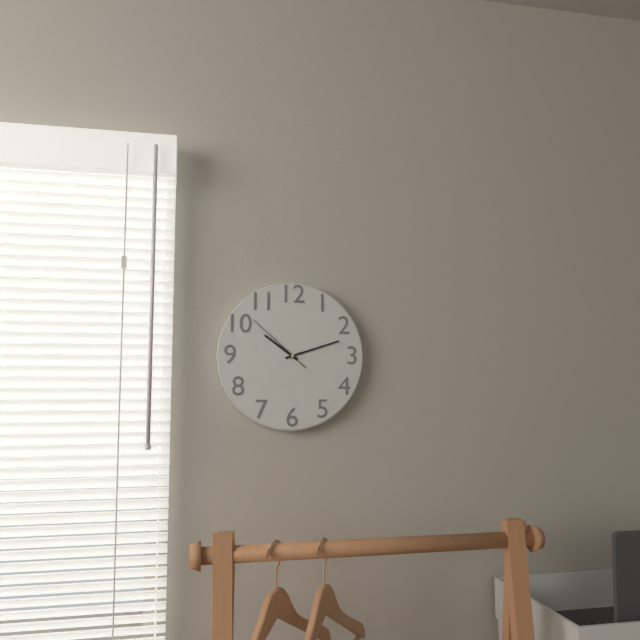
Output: 10h12m52s
